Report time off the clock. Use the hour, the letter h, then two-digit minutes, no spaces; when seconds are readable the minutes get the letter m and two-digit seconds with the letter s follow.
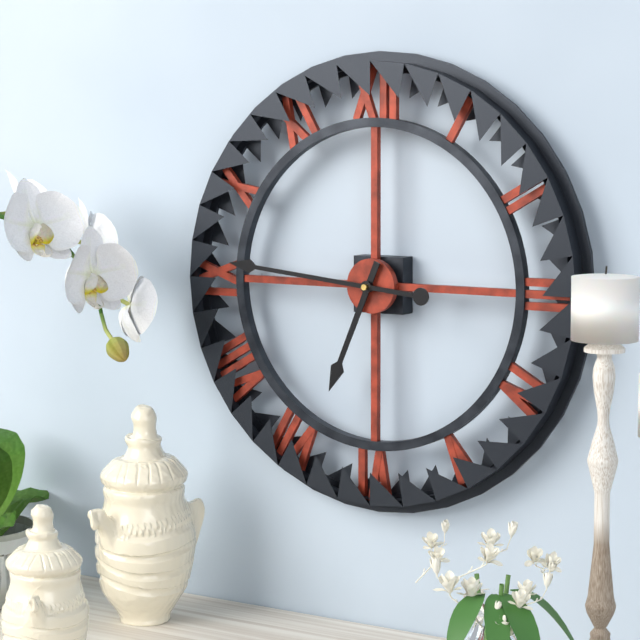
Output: 6h46
